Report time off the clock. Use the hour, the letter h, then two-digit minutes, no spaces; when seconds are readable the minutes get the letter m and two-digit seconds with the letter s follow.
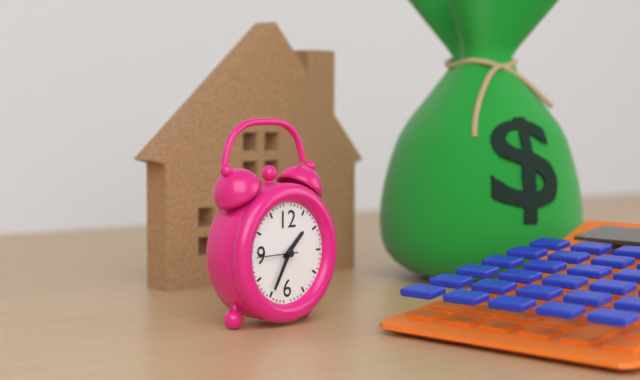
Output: 1h35
